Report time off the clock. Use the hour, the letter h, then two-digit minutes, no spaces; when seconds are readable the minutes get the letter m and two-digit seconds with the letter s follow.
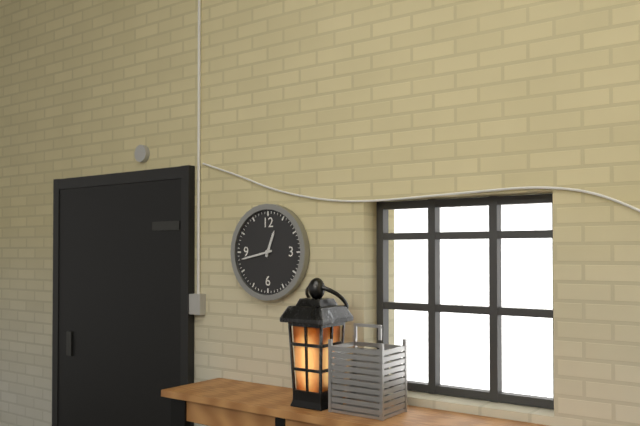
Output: 12h43
